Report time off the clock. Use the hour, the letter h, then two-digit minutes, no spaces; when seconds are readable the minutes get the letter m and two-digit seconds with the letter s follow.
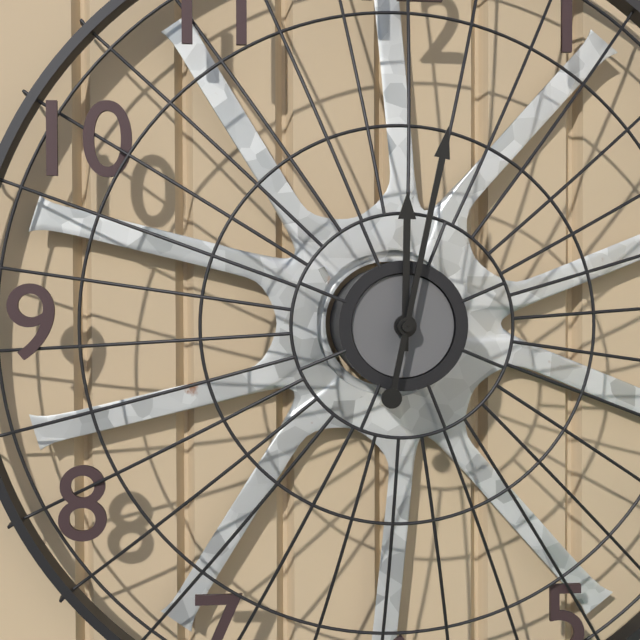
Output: 12h02
